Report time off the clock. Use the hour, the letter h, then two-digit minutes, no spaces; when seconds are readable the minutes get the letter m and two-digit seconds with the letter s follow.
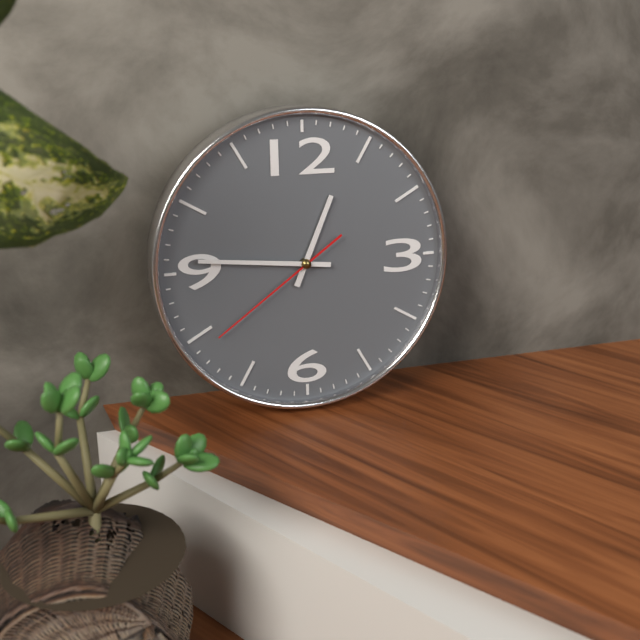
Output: 12h46m39s
